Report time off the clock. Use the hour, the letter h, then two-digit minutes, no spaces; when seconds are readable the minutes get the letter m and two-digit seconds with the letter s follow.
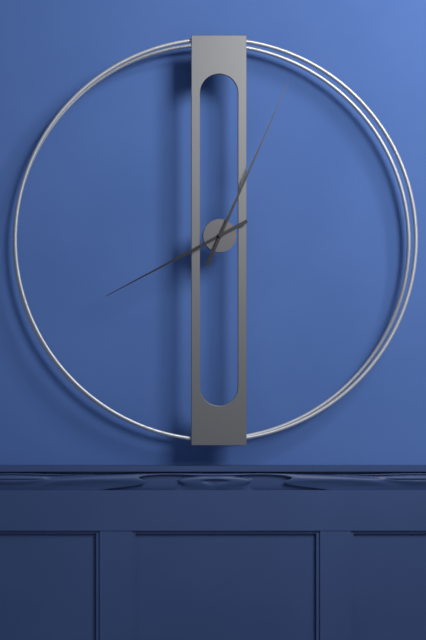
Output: 8h04
